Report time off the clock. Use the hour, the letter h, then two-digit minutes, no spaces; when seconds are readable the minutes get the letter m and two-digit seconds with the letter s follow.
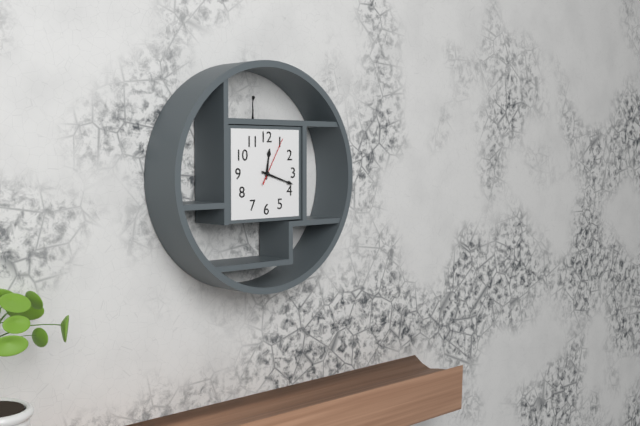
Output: 12h18
